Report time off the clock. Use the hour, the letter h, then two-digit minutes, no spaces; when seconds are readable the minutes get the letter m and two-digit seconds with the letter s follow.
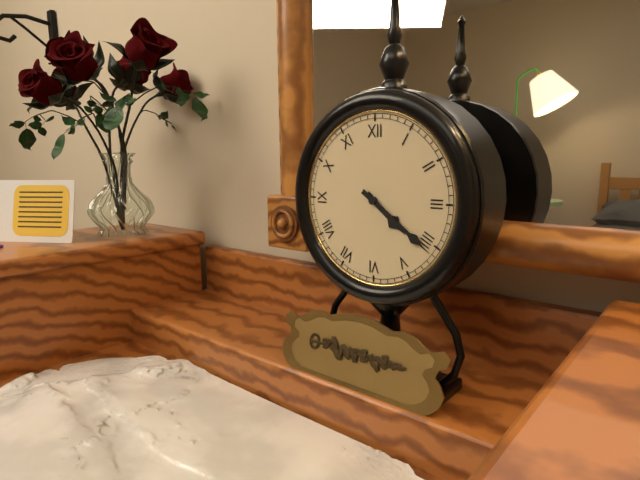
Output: 4h21
